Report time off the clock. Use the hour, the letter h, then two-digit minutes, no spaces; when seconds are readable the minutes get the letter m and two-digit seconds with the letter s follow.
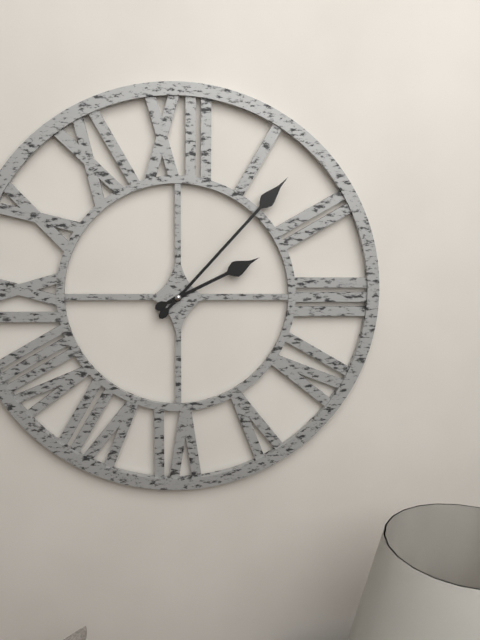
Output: 2h07
